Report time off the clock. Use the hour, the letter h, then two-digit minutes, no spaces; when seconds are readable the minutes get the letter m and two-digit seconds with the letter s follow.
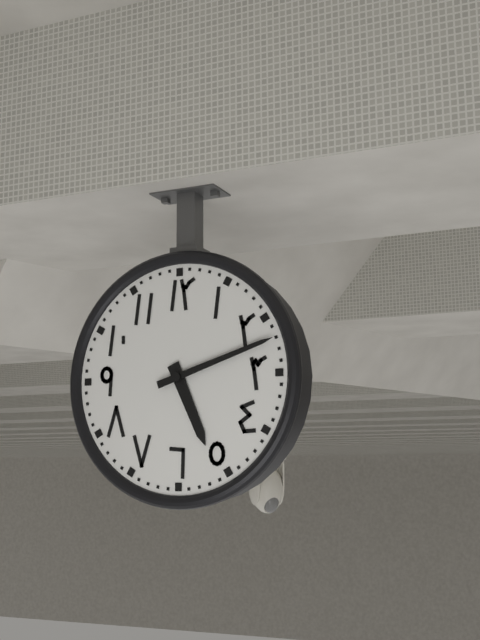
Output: 5h12
